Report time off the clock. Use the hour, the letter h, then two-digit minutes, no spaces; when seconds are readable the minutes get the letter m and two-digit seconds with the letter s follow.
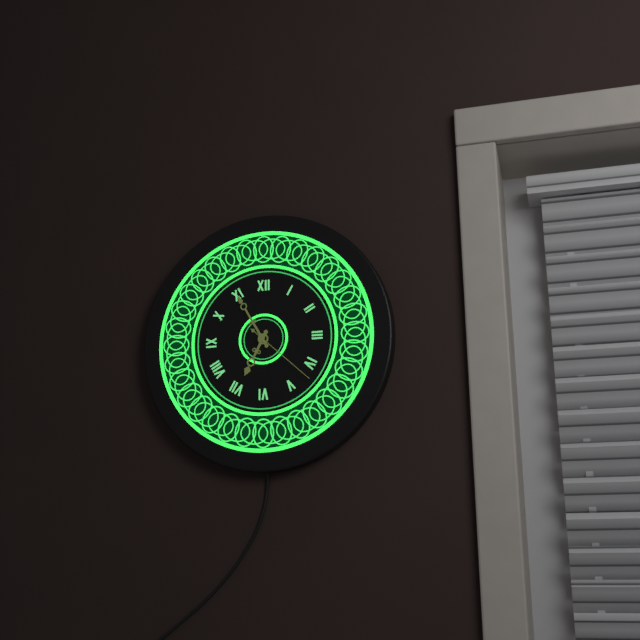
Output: 6h55m22s
